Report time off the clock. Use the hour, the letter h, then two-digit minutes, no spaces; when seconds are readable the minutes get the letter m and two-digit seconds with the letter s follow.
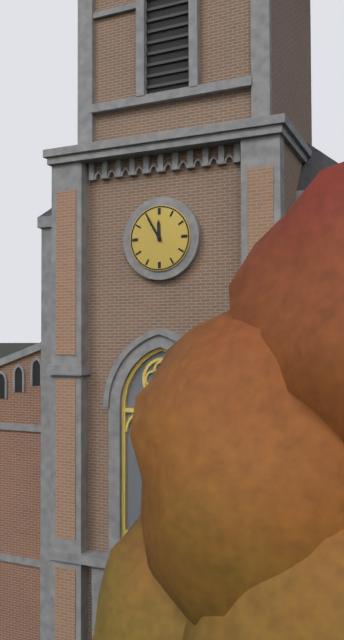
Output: 11h55
